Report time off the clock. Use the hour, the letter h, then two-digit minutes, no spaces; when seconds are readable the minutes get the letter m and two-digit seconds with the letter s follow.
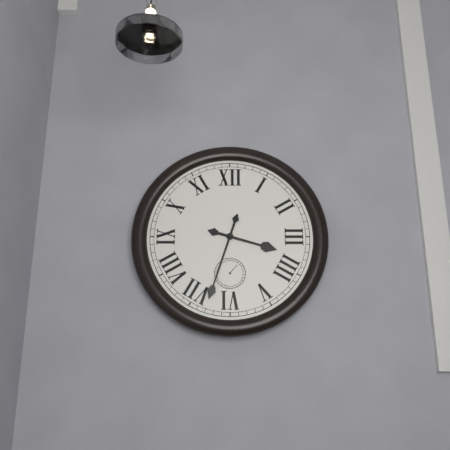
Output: 3h33
